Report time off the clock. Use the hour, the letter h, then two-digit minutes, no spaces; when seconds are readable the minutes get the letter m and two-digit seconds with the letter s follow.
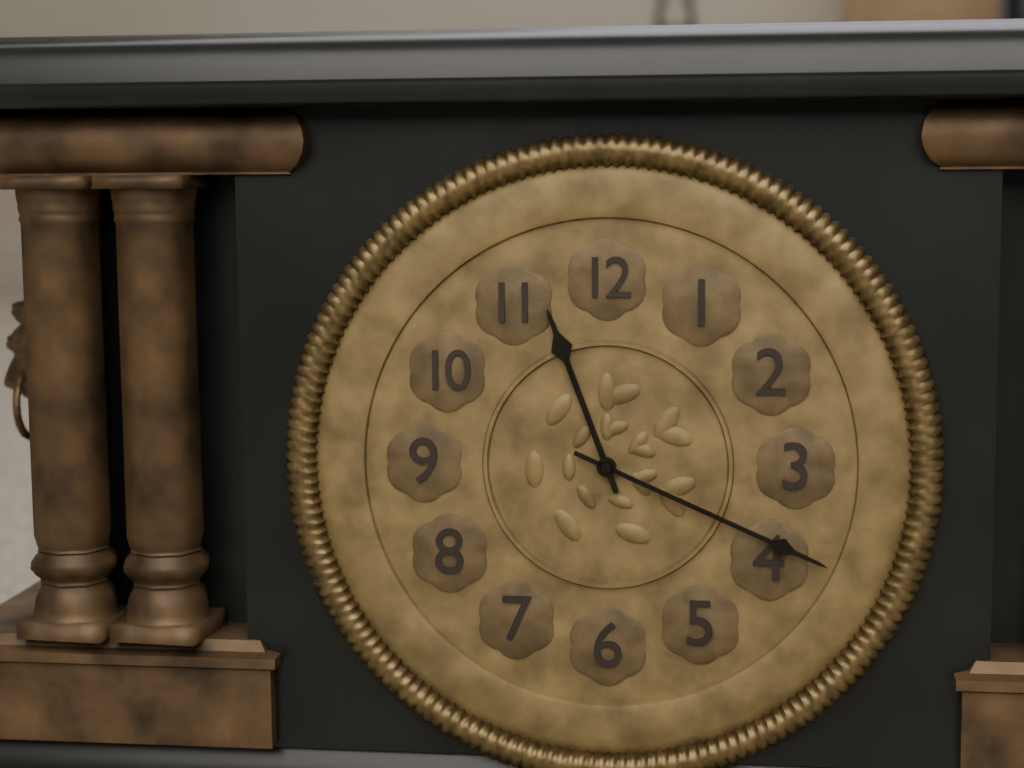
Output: 11h19
